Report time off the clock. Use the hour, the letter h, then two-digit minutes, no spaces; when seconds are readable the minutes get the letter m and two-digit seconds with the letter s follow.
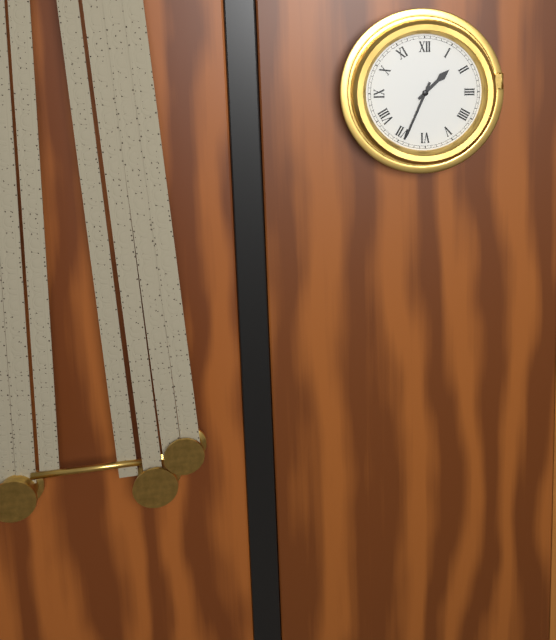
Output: 1h34
